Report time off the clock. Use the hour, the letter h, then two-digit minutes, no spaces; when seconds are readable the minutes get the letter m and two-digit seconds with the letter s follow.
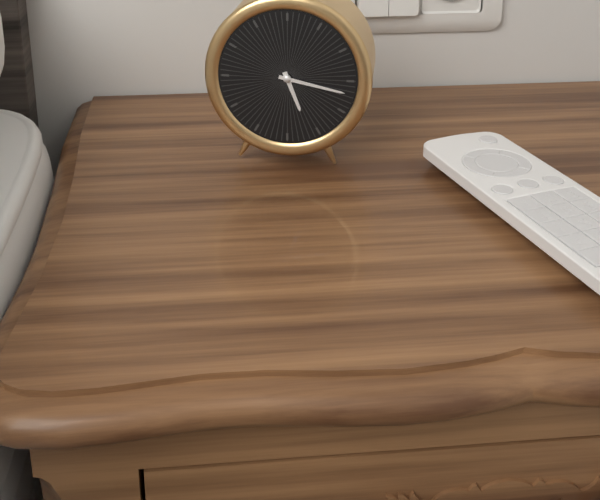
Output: 5h17
